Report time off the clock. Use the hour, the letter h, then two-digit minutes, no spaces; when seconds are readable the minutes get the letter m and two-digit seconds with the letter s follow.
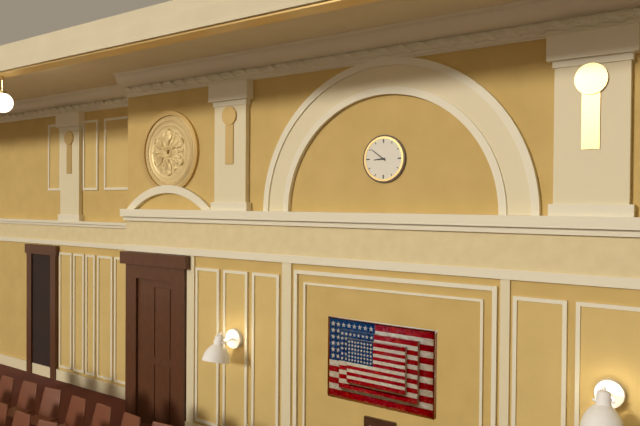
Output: 8h51
